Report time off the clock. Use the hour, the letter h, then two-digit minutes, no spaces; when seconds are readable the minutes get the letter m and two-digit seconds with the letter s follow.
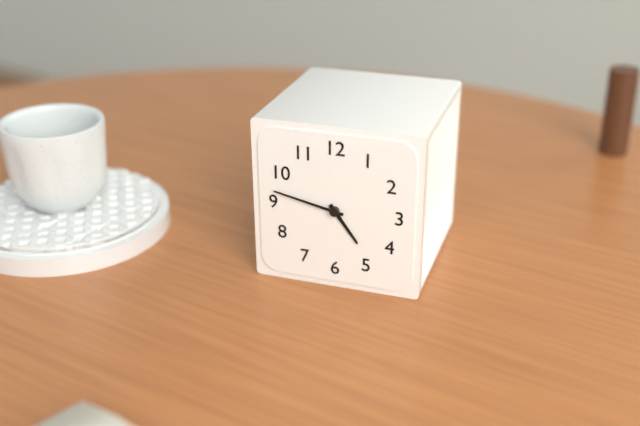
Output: 4h47
